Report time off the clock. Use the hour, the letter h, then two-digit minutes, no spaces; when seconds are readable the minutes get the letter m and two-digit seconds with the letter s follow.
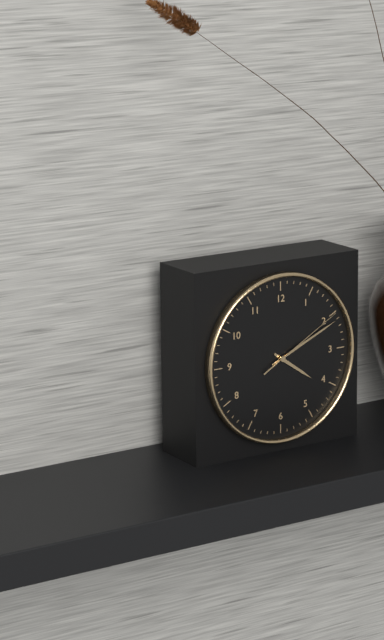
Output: 4h11m10s
